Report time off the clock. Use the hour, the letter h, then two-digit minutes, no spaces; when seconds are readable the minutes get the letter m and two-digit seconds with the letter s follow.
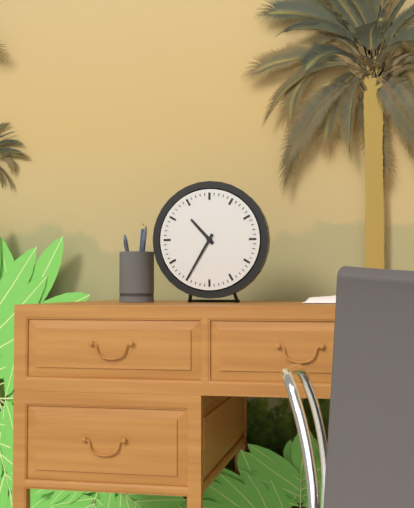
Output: 10h35
